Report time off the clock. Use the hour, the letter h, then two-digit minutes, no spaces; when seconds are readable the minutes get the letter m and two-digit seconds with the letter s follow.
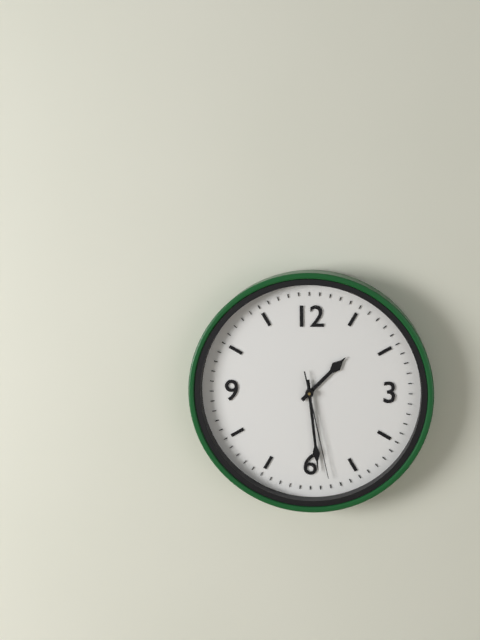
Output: 1h29m28s
